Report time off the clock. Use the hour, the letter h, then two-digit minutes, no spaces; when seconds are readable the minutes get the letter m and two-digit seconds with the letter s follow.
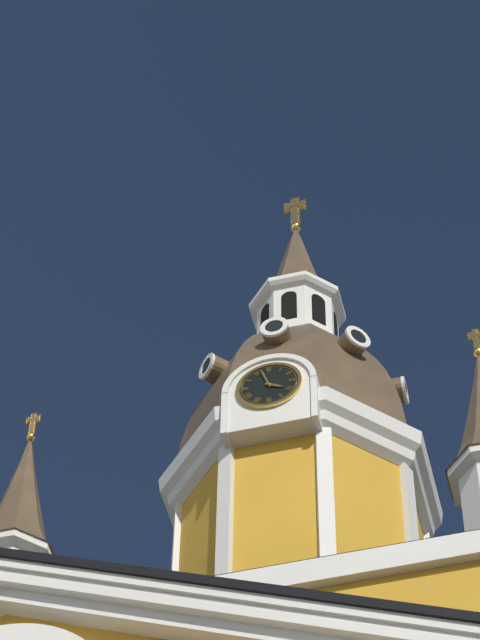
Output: 3h57
